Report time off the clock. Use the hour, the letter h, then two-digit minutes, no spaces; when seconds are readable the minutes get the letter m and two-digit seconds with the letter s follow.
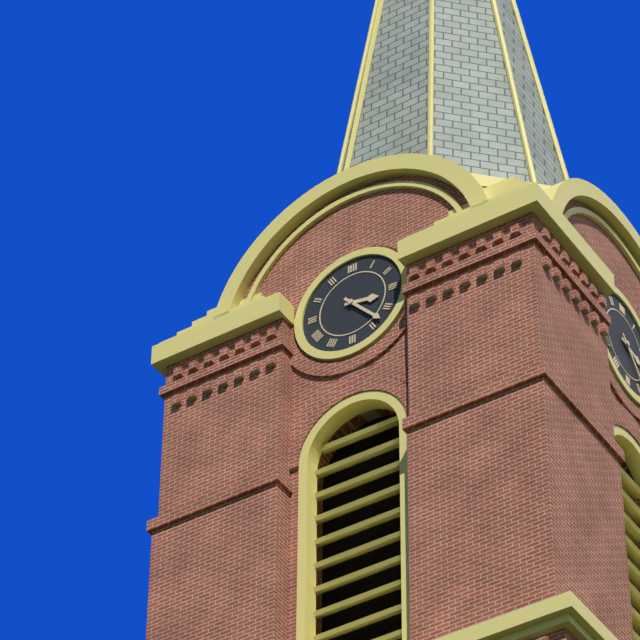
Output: 3h23
